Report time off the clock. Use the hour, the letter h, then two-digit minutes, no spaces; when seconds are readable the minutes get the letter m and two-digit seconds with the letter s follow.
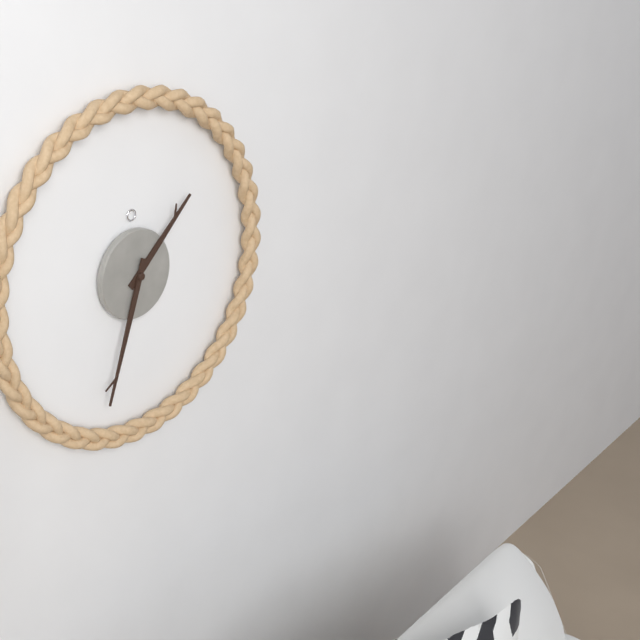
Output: 1h33
